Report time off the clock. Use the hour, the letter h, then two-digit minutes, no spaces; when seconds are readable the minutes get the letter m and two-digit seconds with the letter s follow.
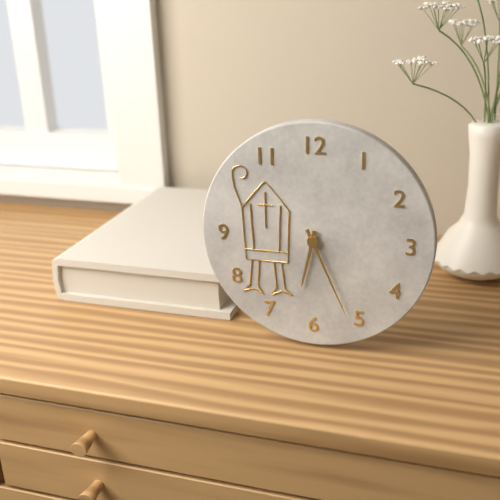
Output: 6h26
